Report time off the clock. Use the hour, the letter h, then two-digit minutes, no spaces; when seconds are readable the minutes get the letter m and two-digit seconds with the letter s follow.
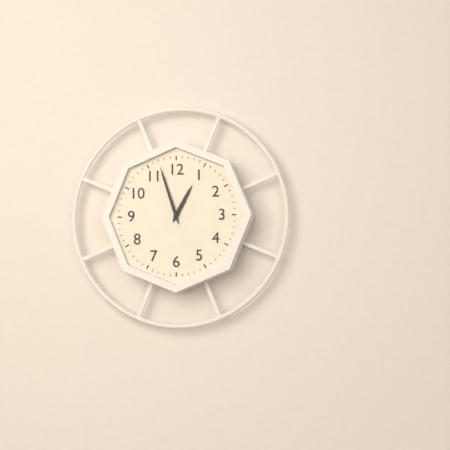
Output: 12h57
